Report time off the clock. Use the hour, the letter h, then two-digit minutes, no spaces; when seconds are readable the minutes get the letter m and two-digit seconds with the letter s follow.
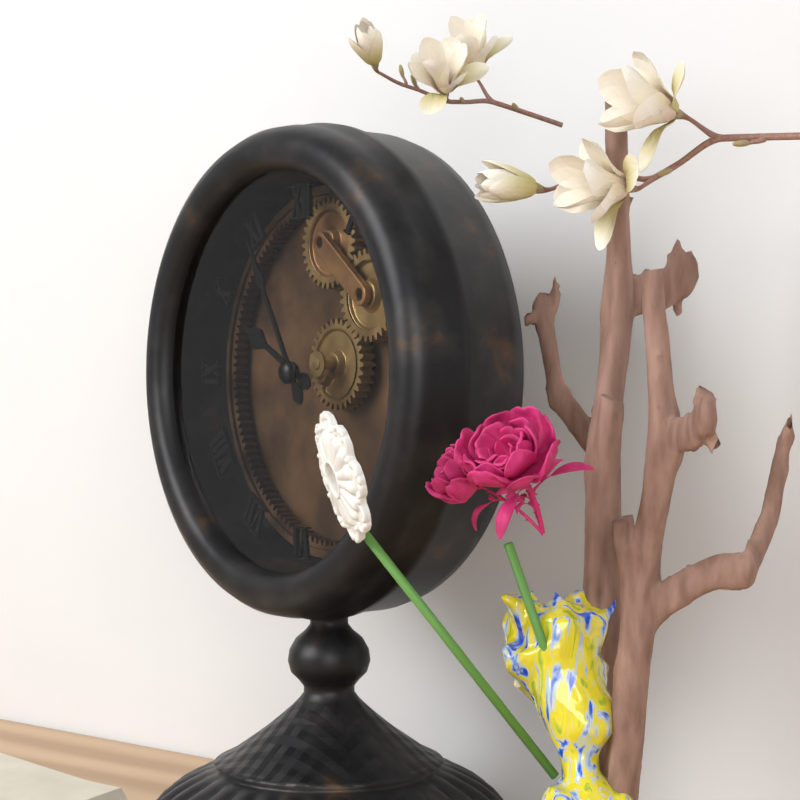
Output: 9h55
